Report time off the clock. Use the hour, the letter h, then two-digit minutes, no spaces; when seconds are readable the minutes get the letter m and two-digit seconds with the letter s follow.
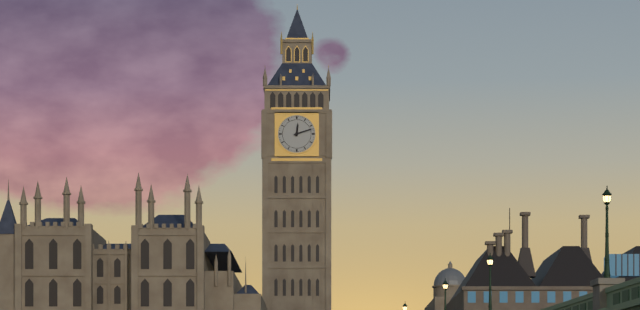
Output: 12h12
